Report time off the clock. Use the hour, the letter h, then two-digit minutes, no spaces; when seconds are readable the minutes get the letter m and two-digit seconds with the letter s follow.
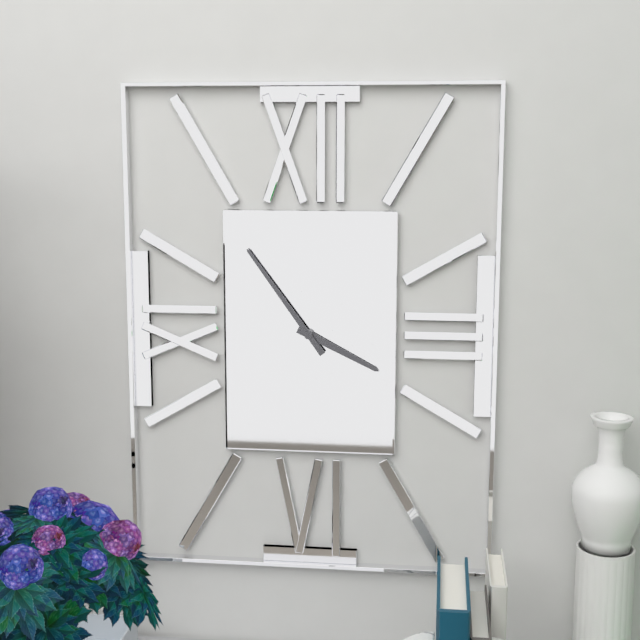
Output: 3h54
